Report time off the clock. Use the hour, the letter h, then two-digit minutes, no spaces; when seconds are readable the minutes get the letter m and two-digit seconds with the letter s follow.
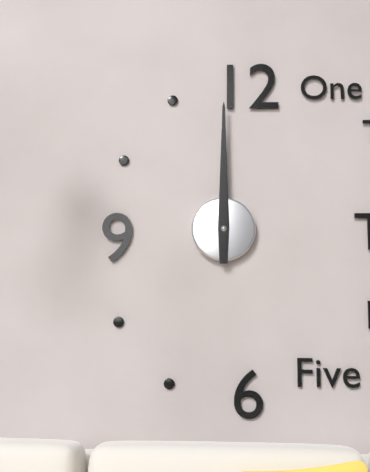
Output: 12h00
